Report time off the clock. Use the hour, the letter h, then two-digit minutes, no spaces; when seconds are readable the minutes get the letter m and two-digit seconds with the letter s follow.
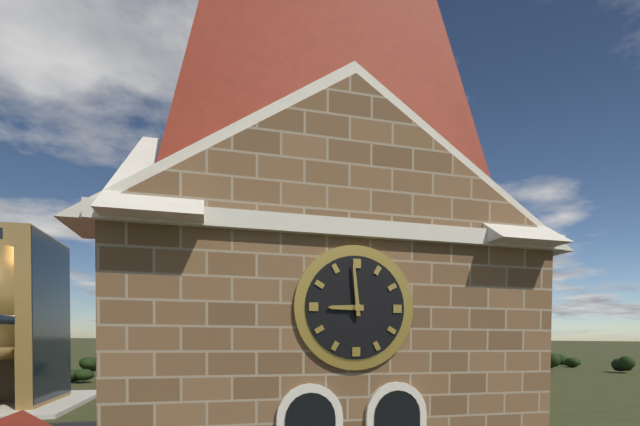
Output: 8h59
